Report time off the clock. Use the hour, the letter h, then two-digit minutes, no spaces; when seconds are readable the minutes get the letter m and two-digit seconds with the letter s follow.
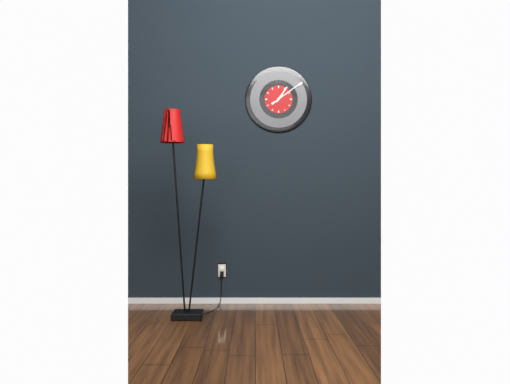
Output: 1h09
